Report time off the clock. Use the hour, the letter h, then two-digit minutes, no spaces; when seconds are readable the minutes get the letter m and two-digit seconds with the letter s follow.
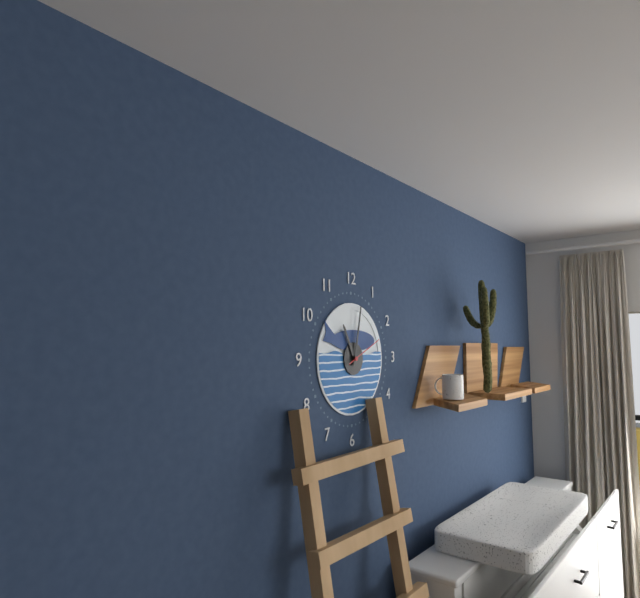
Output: 11h02
